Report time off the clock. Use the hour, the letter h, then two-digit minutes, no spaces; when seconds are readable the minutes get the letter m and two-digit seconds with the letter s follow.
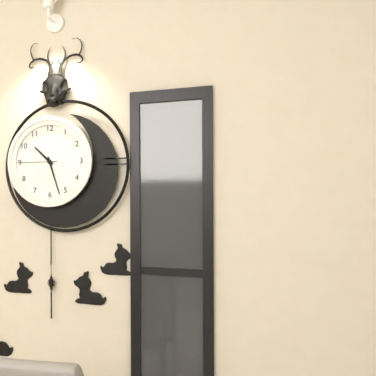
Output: 10h27
